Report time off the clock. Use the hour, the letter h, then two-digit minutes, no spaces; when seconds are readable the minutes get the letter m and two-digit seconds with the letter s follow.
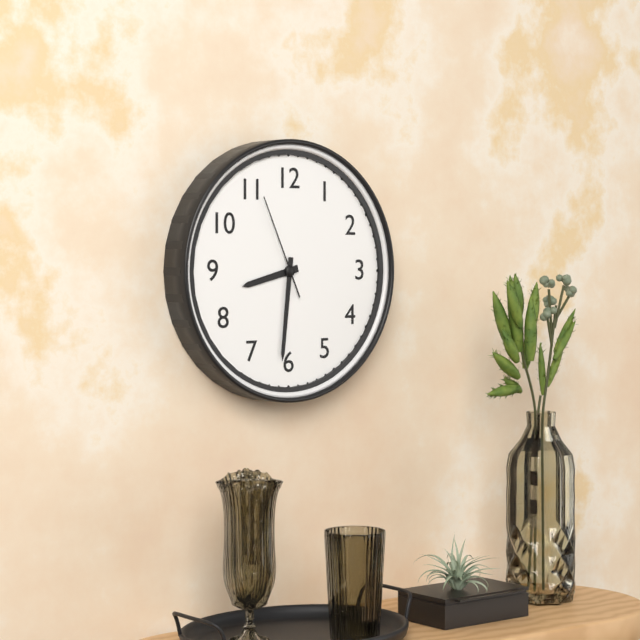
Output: 8h31m56s
